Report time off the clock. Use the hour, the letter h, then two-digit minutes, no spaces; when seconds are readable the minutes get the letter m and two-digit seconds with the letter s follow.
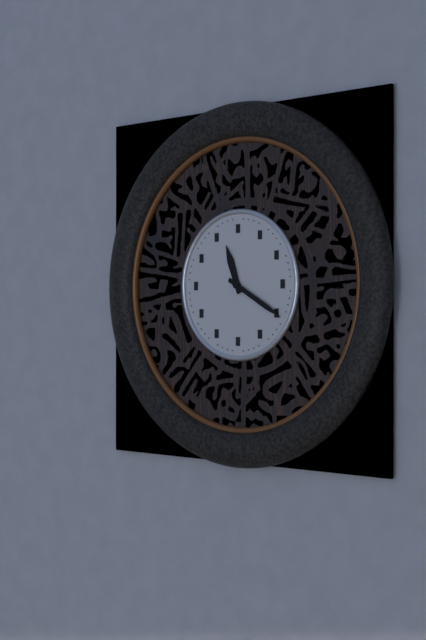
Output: 11h20
